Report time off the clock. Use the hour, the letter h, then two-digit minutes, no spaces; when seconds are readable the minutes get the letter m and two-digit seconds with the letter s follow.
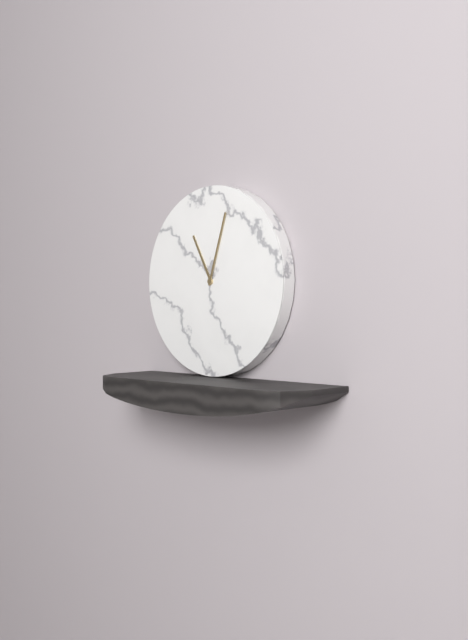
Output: 11h03
